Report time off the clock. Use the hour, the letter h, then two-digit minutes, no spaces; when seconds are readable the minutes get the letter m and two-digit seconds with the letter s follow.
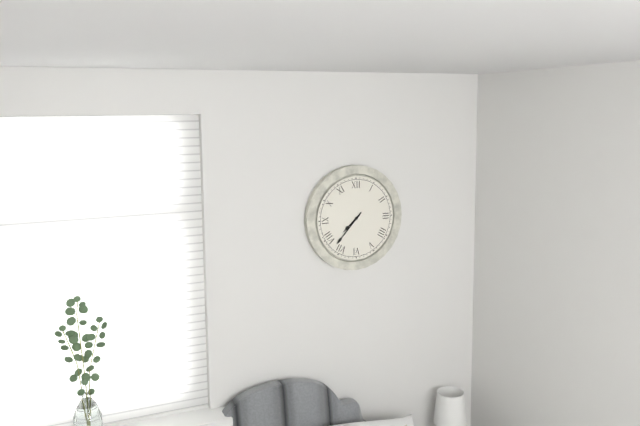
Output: 7h37
